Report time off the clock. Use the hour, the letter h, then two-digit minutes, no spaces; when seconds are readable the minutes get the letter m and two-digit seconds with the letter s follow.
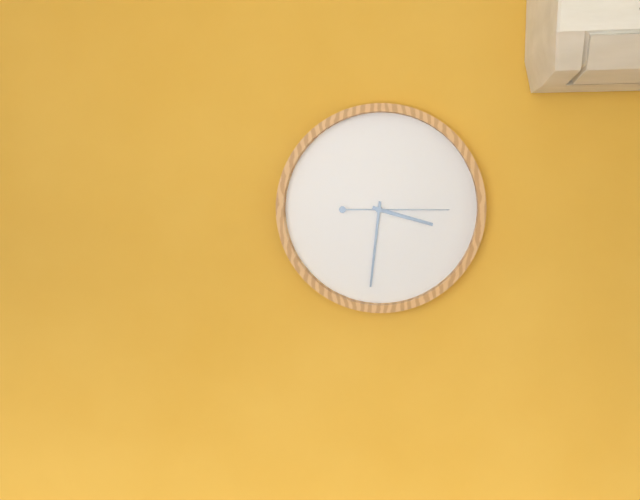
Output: 3h31m15s
